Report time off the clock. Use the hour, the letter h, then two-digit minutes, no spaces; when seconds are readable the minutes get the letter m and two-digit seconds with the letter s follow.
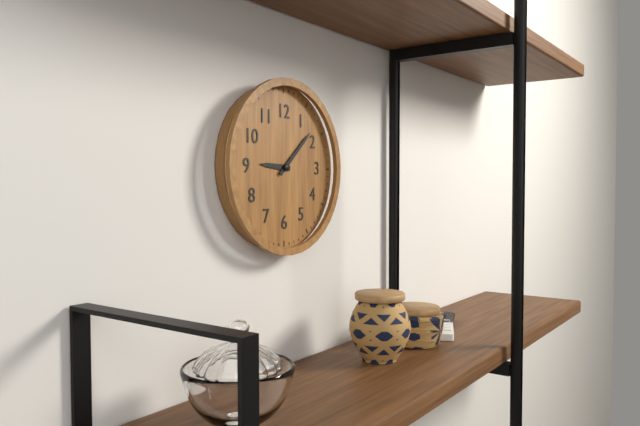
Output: 9h08
